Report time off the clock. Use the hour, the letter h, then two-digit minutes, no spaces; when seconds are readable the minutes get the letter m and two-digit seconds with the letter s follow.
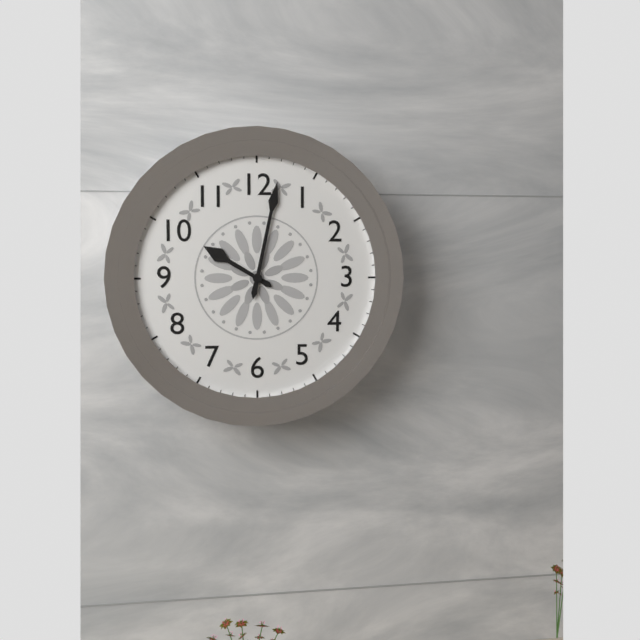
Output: 10h02
